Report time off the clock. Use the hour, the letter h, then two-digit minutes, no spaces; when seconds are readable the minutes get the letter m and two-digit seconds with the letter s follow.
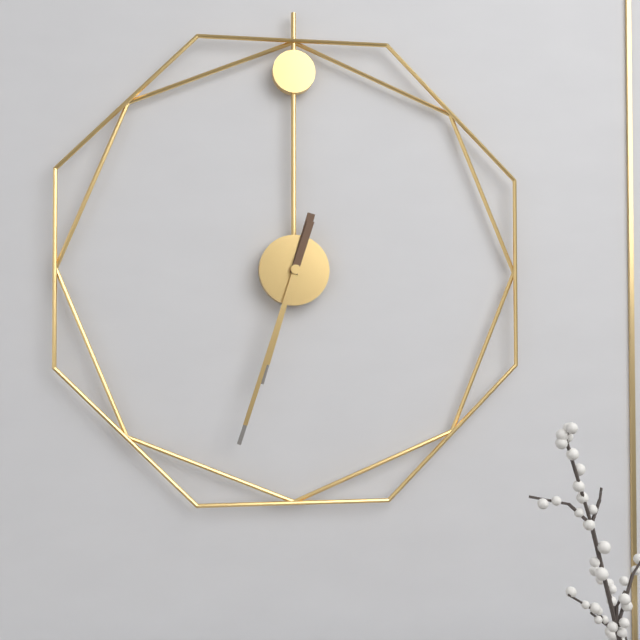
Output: 6h33
